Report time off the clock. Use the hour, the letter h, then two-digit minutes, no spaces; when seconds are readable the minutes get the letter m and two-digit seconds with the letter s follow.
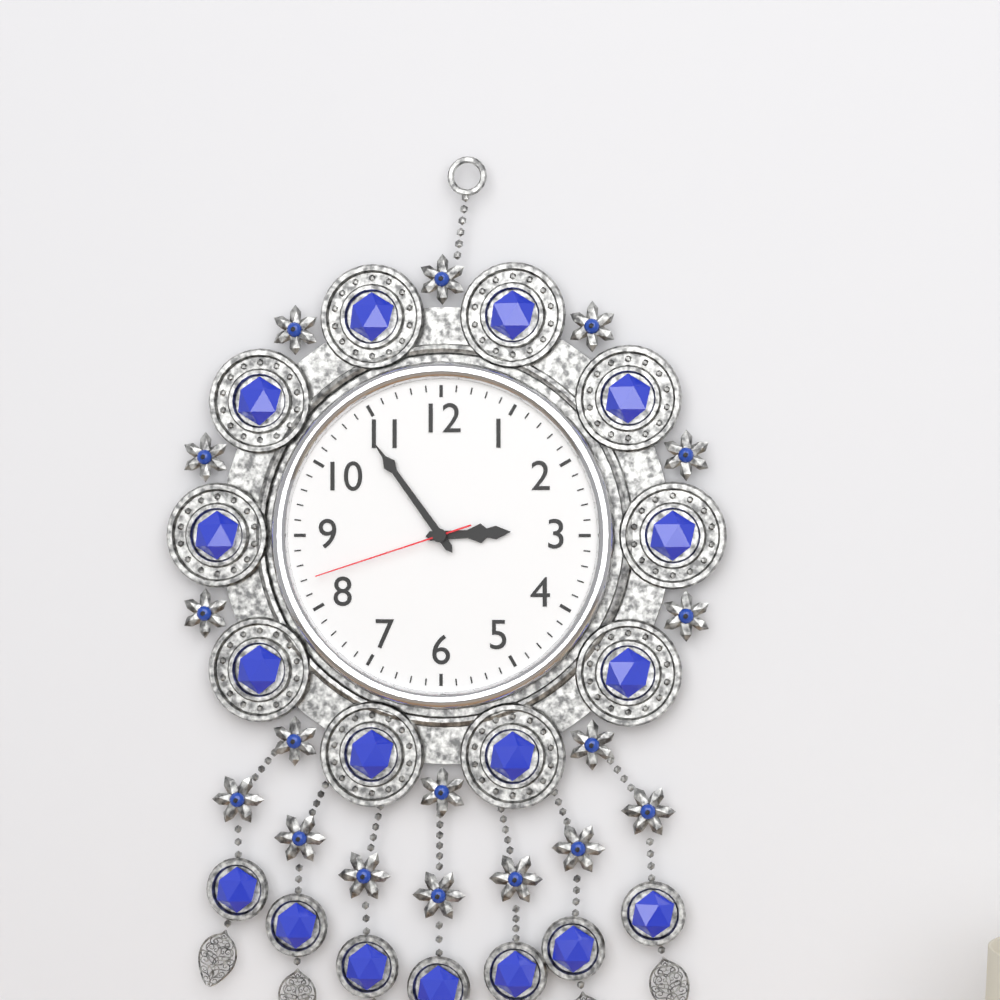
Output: 2h54m42s
